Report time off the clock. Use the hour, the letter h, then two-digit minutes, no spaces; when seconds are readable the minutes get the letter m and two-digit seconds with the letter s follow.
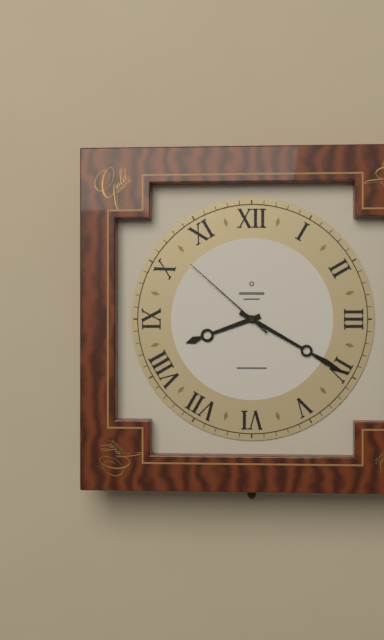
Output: 8h20m52s
